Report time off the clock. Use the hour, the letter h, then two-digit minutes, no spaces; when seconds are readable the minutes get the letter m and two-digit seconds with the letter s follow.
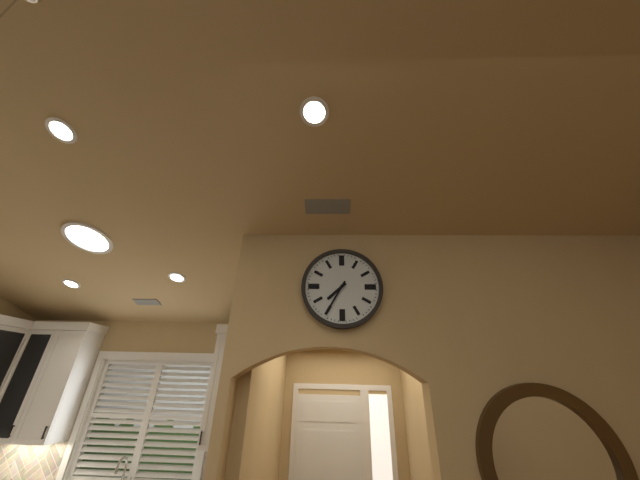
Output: 7h35
